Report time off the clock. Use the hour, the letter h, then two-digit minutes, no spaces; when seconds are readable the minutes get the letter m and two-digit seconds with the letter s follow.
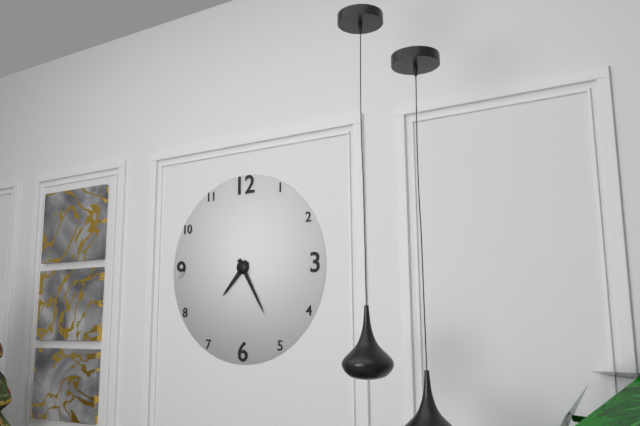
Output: 7h25
